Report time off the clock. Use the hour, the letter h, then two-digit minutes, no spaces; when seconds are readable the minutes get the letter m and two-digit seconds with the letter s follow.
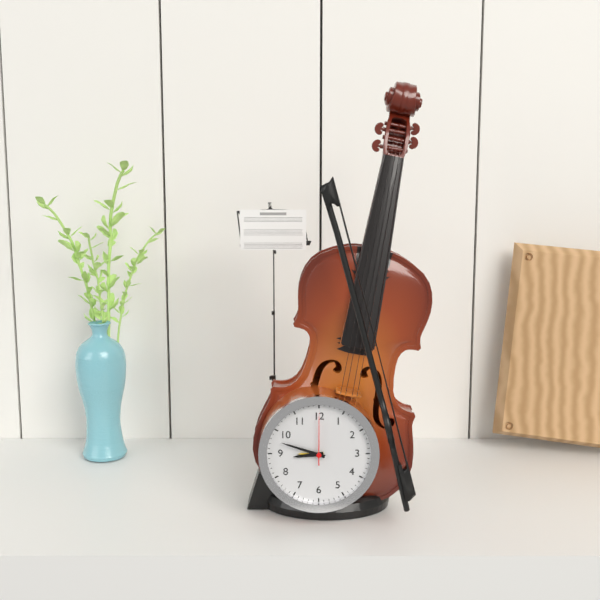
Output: 8h48m00s
